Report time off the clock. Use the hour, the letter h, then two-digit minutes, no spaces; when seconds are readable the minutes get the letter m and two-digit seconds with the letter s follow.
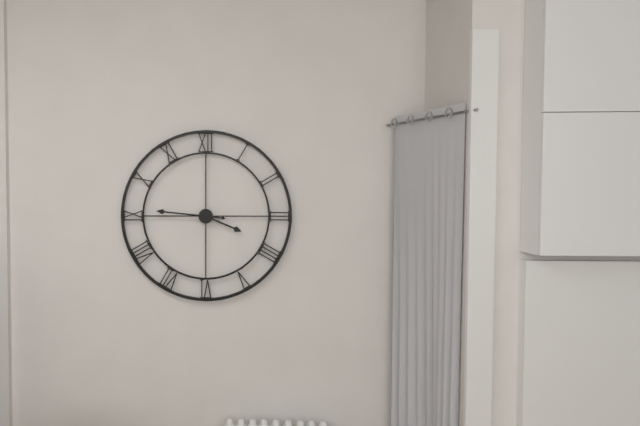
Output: 3h46
